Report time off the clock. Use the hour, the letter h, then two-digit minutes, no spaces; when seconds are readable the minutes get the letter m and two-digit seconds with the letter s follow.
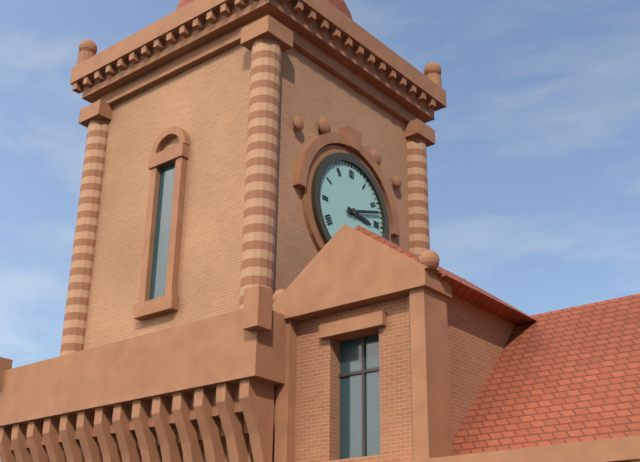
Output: 3h12
